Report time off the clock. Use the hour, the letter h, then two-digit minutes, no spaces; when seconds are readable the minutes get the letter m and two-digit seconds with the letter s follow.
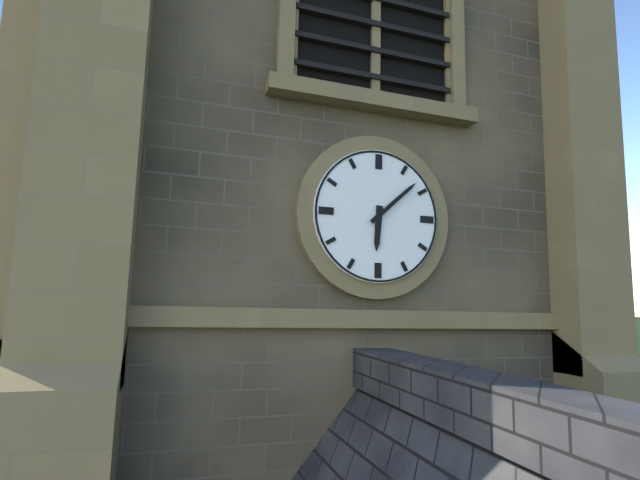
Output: 6h08
